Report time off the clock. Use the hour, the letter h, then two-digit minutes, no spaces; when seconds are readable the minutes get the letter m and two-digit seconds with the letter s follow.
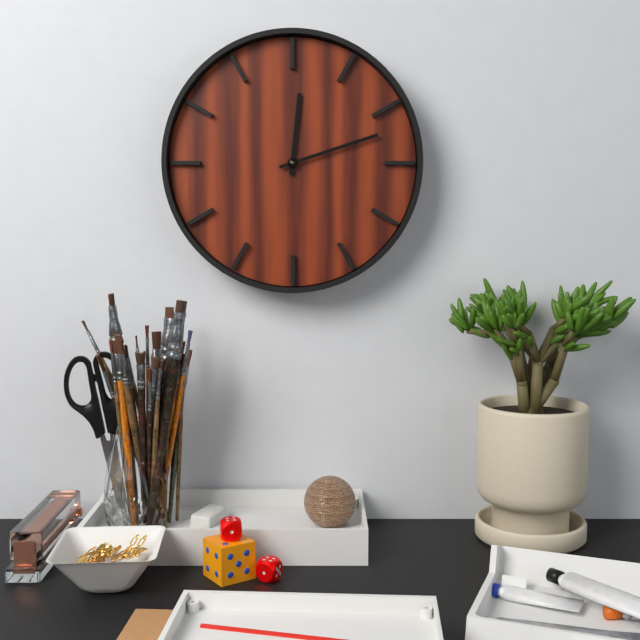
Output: 12h12
